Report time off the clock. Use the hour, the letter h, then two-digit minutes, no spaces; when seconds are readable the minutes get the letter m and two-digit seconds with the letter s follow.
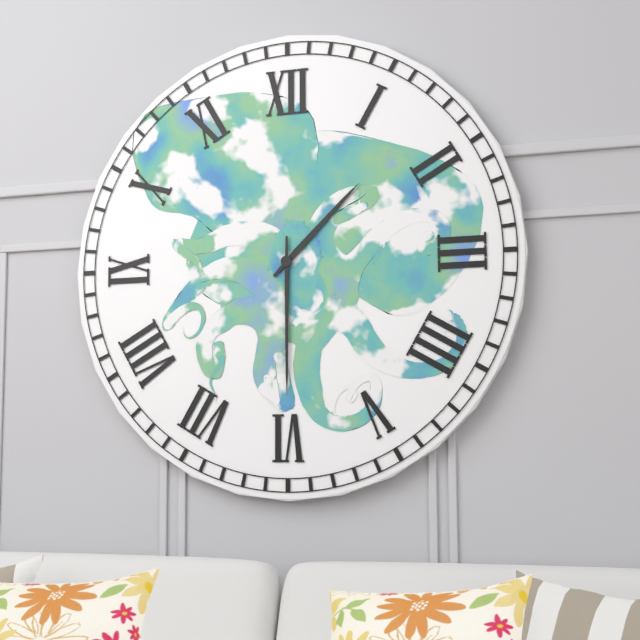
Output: 1h30
